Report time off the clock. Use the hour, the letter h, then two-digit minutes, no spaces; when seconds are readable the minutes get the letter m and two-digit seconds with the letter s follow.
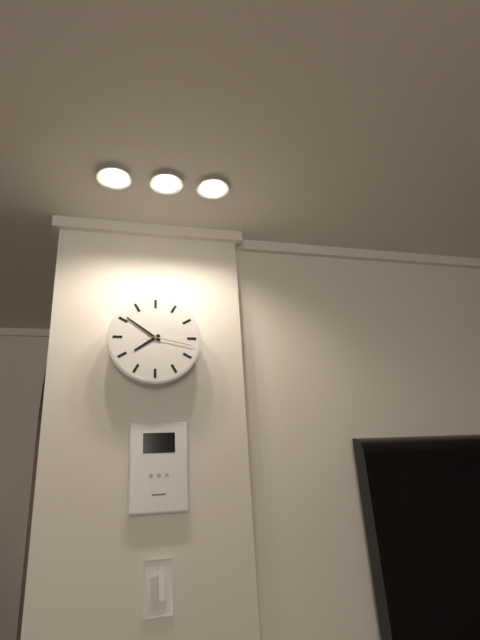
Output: 7h51
